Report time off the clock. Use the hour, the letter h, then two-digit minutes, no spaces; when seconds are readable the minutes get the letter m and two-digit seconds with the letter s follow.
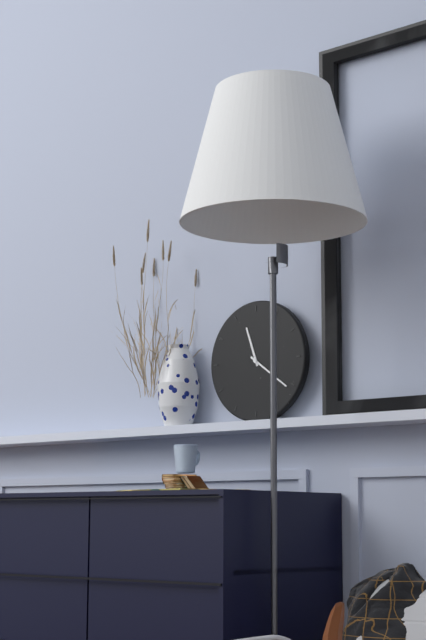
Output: 11h21
